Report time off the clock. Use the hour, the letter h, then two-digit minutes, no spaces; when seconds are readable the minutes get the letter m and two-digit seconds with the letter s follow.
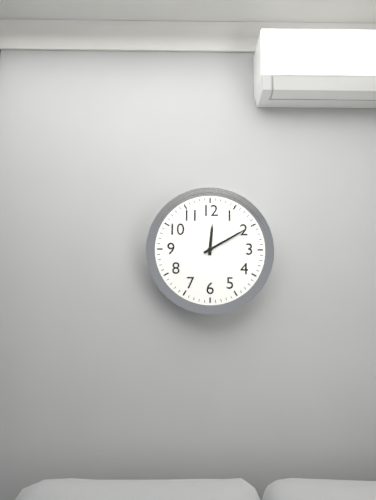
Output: 12h10
